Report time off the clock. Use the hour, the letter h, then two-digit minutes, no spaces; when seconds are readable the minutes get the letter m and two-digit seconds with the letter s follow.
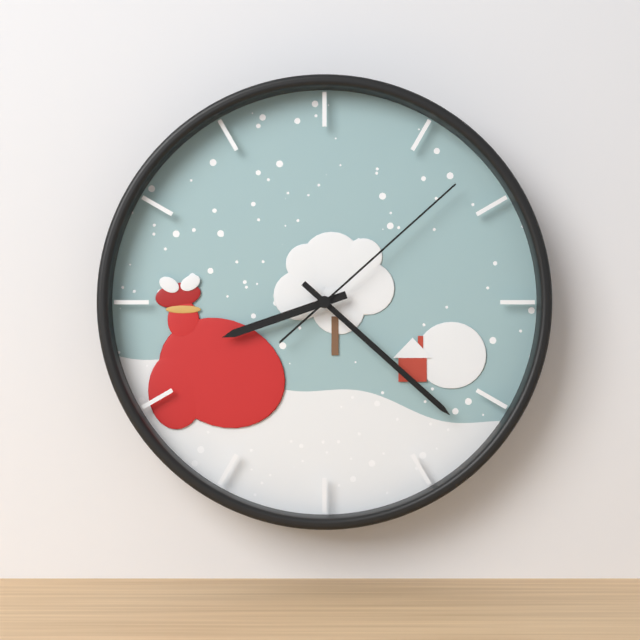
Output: 8h22m08s
